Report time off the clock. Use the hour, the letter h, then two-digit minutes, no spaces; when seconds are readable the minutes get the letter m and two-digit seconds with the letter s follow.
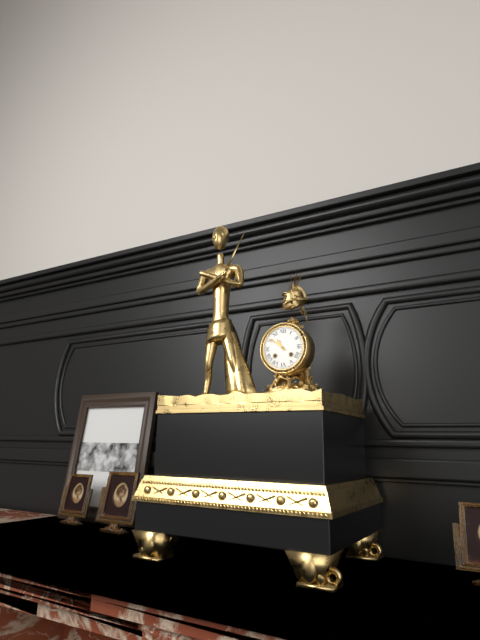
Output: 10h51
